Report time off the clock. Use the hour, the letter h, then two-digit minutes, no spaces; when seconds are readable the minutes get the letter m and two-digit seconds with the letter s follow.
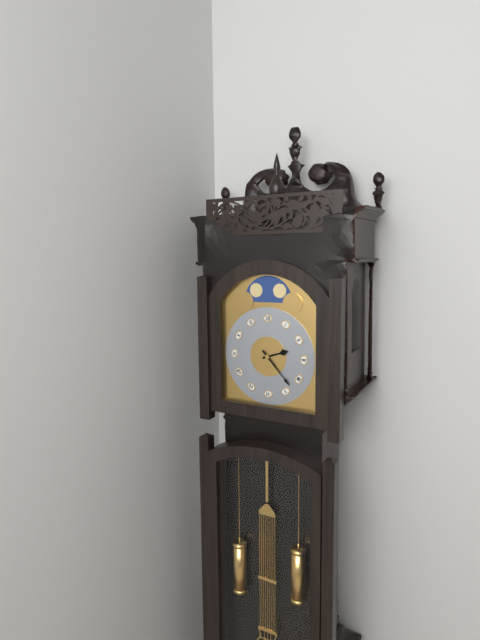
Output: 2h23
